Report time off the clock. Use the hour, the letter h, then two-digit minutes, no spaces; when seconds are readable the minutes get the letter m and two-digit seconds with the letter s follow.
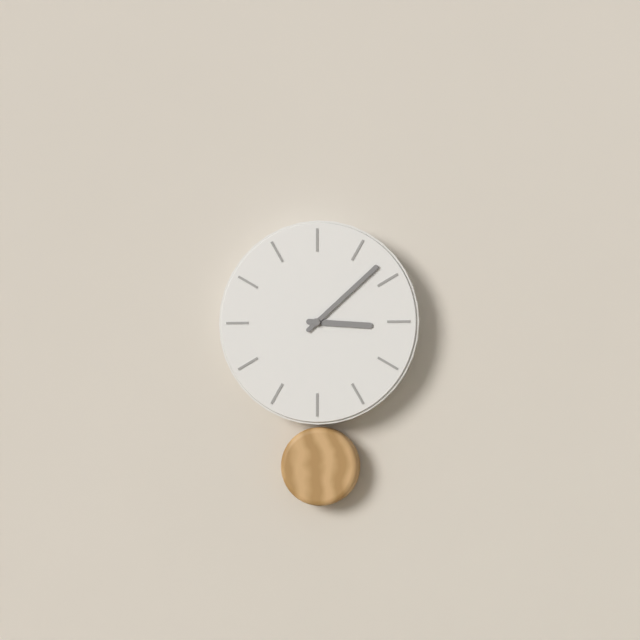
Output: 3h08
